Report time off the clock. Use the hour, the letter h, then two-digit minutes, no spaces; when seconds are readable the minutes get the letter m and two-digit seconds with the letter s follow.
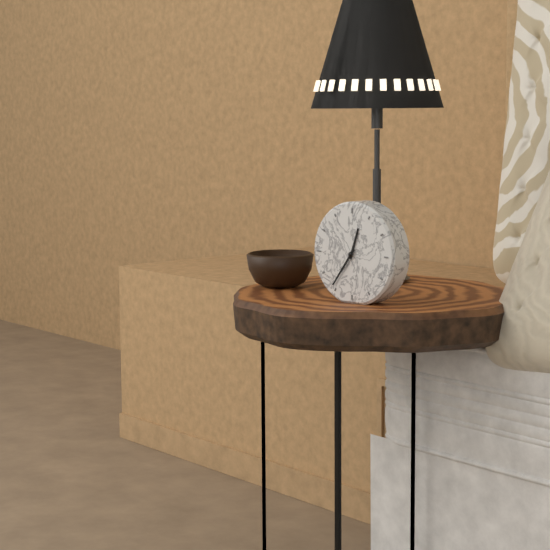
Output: 12h36
